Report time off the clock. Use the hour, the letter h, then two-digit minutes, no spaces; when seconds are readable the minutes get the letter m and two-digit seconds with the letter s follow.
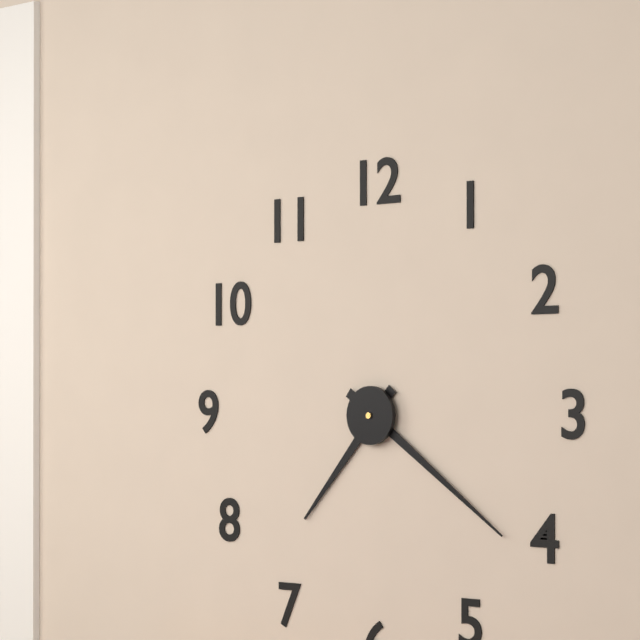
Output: 7h21
